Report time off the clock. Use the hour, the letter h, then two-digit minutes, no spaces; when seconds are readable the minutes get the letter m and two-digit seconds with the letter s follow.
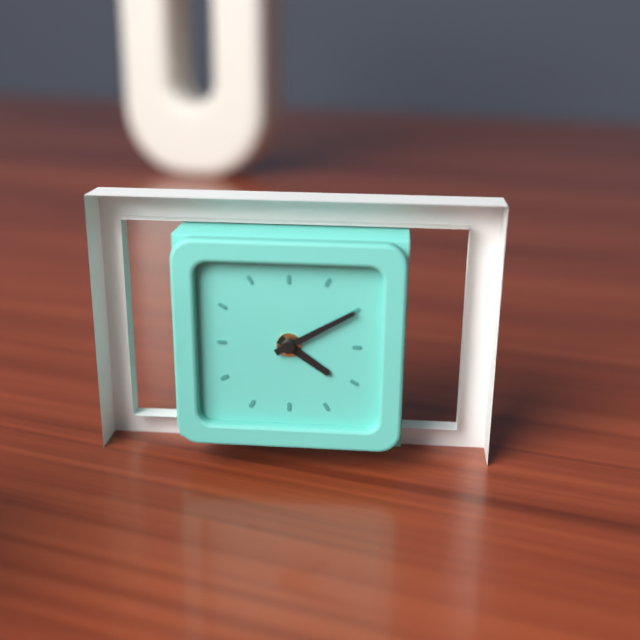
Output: 4h10
